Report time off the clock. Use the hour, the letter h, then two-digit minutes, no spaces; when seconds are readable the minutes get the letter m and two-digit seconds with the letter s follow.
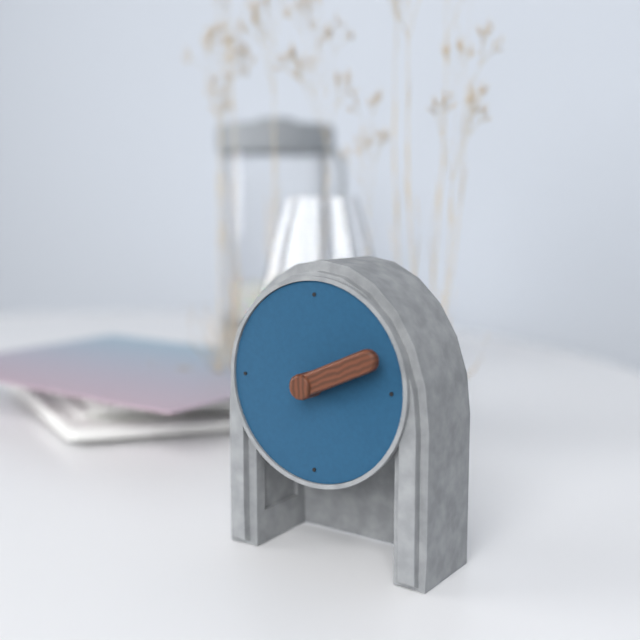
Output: 2h11
